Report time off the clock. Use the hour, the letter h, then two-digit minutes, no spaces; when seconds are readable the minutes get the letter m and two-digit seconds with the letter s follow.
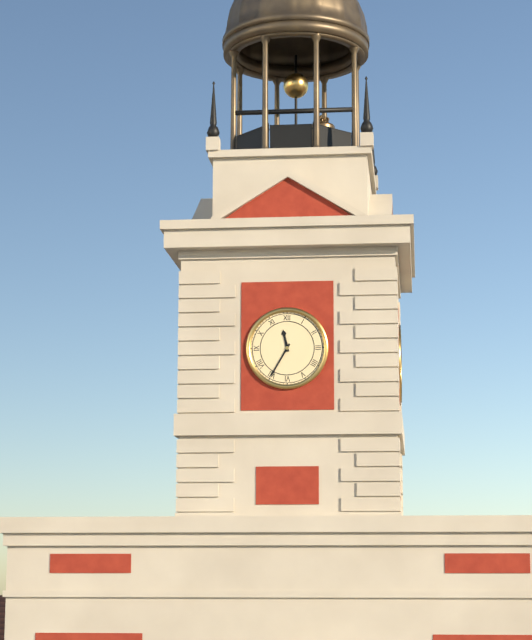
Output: 11h35
